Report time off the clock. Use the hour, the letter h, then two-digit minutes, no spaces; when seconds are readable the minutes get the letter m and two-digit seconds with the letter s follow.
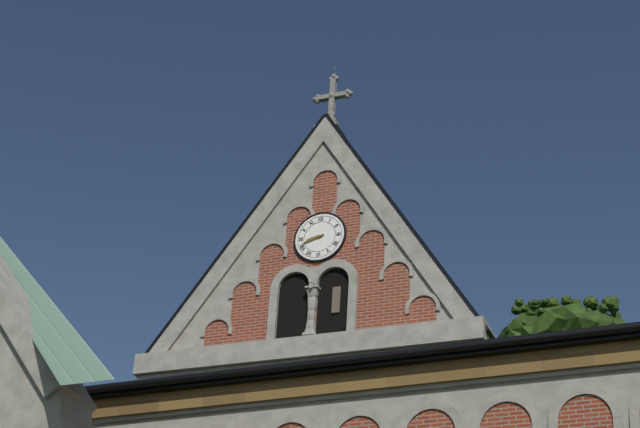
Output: 8h42
